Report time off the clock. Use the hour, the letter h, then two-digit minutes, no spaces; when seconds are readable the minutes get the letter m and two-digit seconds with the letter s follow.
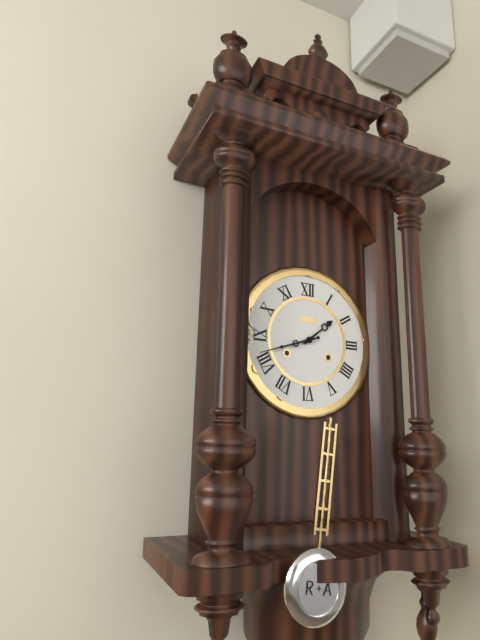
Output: 1h42
